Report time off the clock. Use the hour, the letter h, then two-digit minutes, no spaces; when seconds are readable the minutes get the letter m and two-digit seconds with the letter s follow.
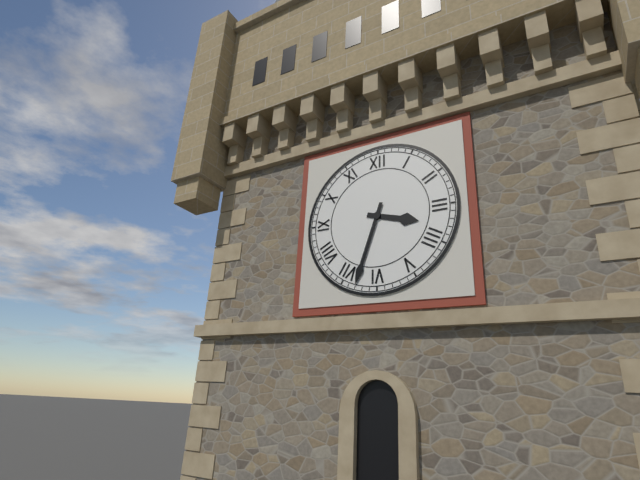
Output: 3h33
